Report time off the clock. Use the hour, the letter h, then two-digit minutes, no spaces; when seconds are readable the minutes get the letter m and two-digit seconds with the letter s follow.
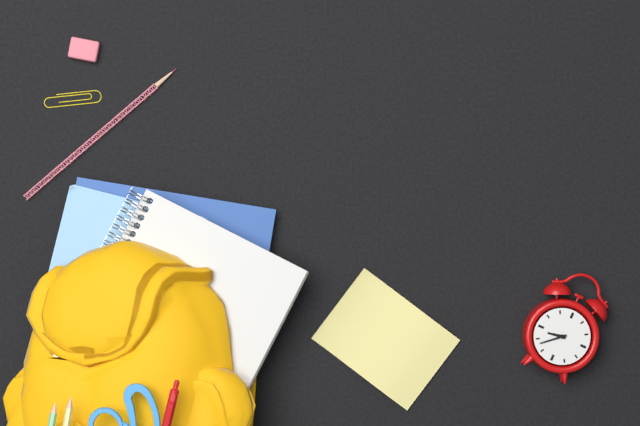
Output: 8h38
